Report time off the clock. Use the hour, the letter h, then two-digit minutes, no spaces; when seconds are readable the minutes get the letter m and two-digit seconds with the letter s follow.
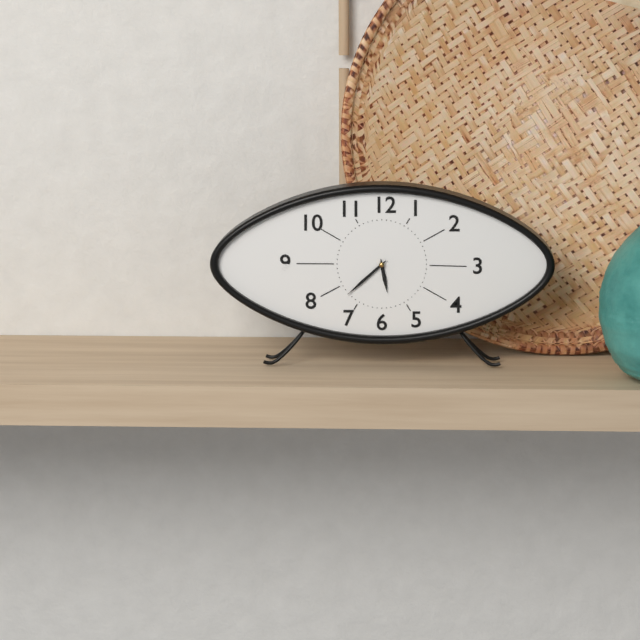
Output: 5h38
